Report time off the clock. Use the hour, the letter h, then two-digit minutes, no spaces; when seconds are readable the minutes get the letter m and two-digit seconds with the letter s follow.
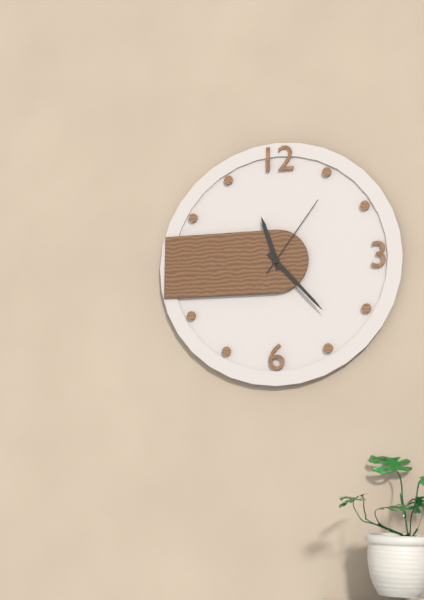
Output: 11h23m06s
